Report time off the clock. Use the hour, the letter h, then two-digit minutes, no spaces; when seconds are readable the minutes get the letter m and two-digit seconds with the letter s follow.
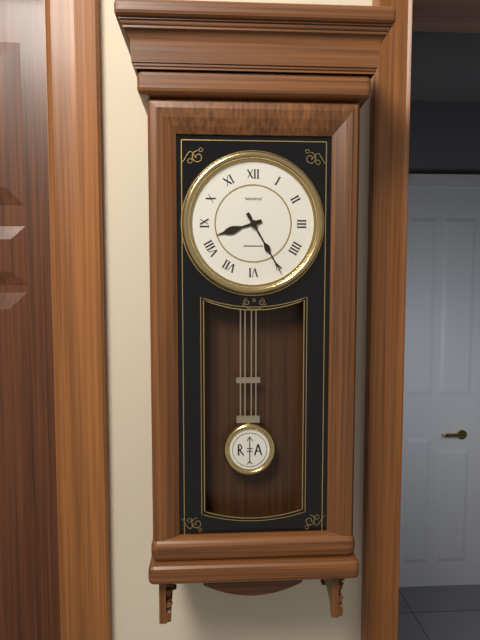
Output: 8h25
